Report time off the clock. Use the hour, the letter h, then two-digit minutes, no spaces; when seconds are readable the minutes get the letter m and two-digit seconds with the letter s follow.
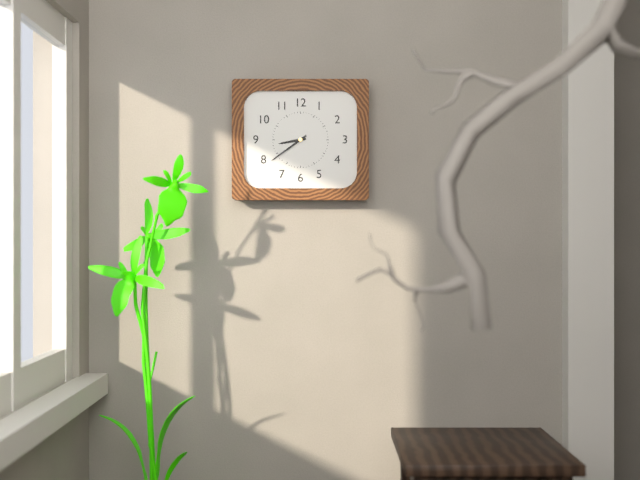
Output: 8h39
